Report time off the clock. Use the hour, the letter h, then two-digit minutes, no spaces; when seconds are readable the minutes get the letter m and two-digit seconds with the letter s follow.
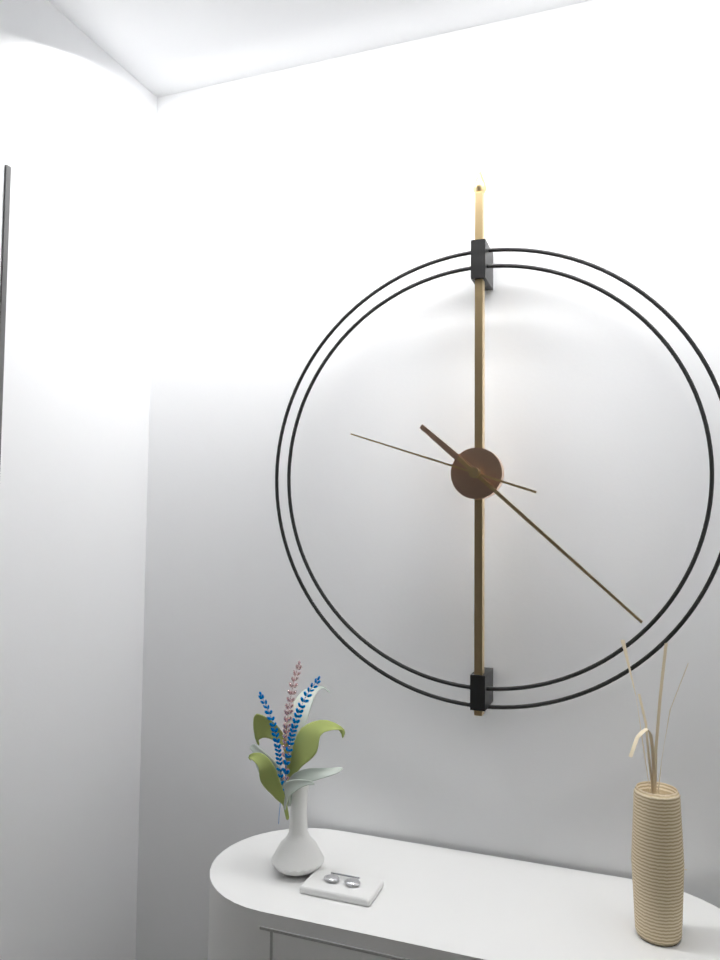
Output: 10h22m48s
